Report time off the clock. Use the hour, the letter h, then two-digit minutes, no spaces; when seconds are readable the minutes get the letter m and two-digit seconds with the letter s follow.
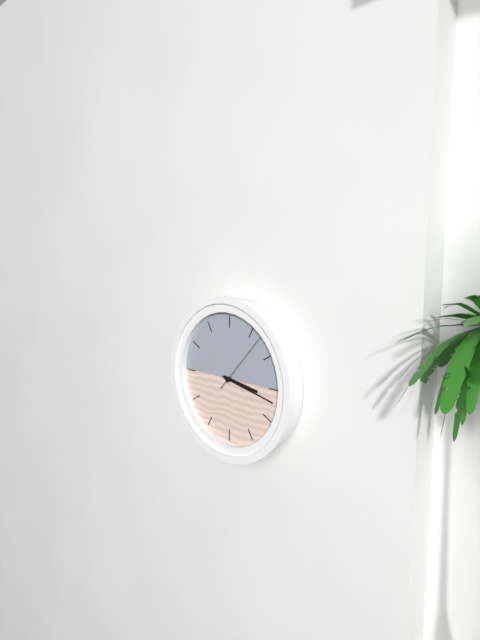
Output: 3h17m07s
